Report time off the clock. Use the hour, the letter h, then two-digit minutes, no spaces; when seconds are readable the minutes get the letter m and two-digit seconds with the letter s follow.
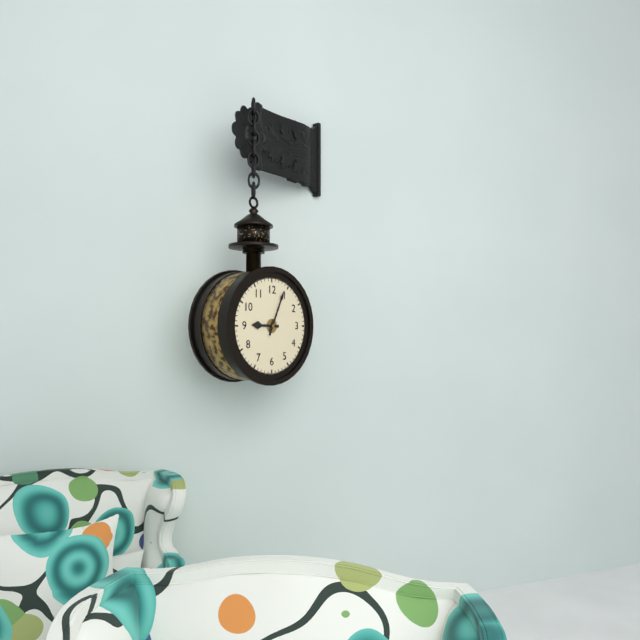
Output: 9h04
